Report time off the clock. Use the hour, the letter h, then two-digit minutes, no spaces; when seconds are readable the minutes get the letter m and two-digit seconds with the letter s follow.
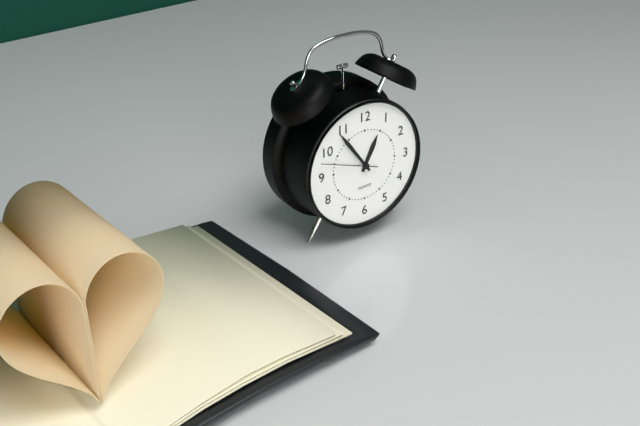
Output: 12h54m48s
